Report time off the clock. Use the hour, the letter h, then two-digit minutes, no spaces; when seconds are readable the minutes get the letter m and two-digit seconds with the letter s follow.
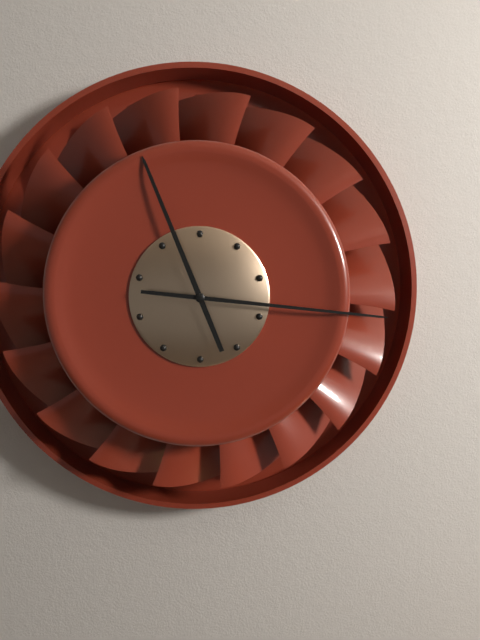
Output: 11h16
